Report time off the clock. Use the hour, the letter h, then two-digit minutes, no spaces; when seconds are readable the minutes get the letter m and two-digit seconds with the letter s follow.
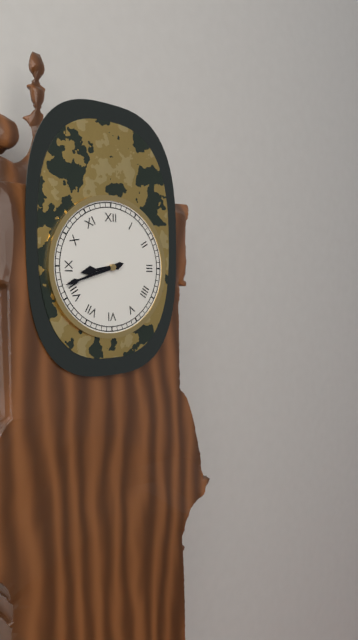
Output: 8h42
